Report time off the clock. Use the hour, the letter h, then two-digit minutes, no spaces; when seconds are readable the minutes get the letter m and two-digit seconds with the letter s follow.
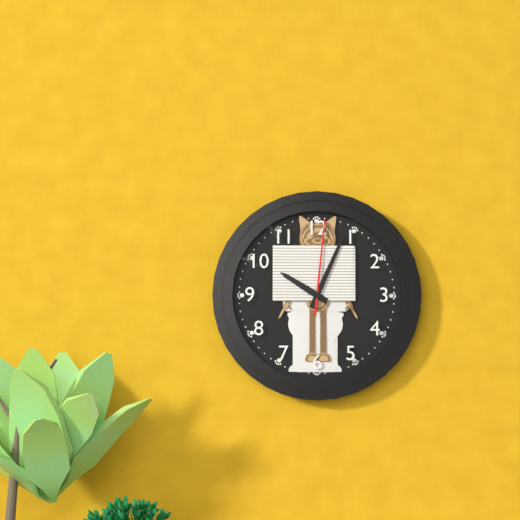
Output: 10h04m01s
